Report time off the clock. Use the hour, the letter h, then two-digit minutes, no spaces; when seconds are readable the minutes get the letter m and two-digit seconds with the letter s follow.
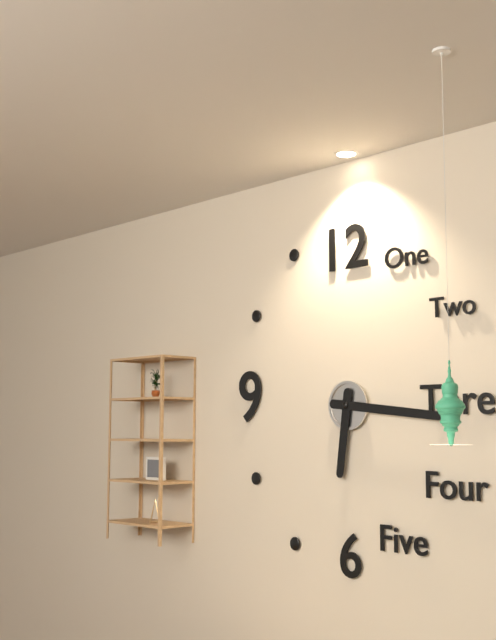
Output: 6h16
